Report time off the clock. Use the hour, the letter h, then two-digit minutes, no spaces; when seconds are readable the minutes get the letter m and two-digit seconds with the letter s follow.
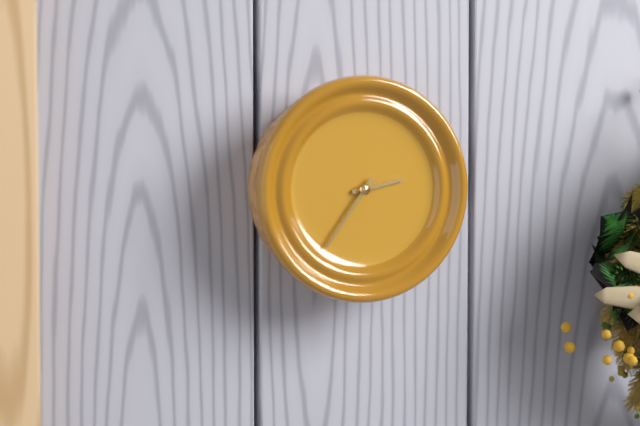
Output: 2h36
